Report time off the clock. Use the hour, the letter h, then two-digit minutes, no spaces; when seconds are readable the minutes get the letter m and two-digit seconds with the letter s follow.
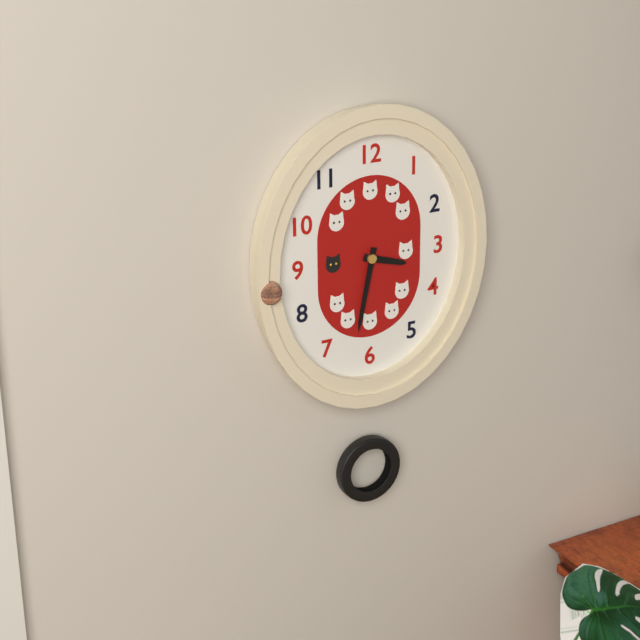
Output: 3h32
